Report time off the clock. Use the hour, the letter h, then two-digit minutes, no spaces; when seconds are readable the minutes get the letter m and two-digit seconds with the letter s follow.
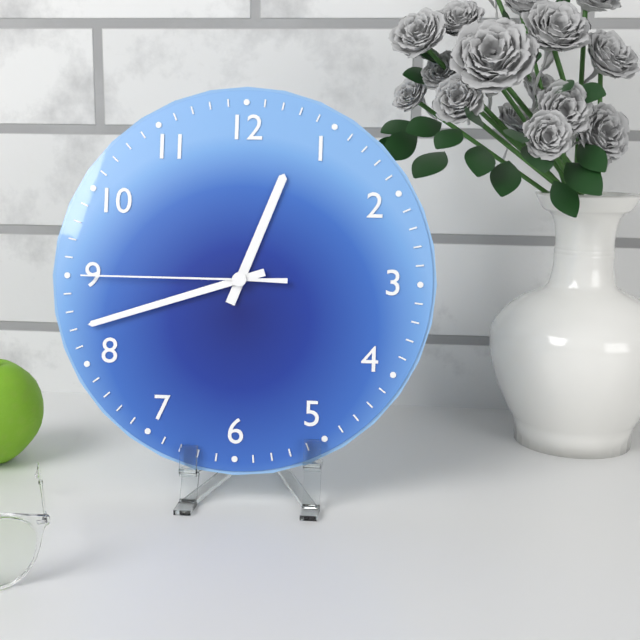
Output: 12h42m45s
